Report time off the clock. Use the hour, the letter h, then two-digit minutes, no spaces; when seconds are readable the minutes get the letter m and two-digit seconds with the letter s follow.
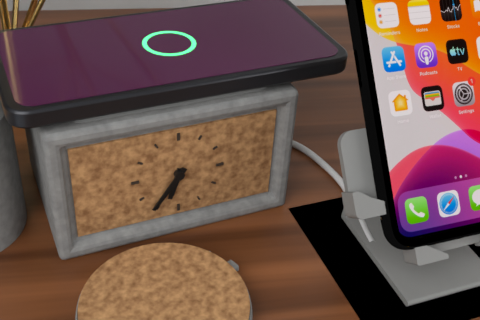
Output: 6h36
